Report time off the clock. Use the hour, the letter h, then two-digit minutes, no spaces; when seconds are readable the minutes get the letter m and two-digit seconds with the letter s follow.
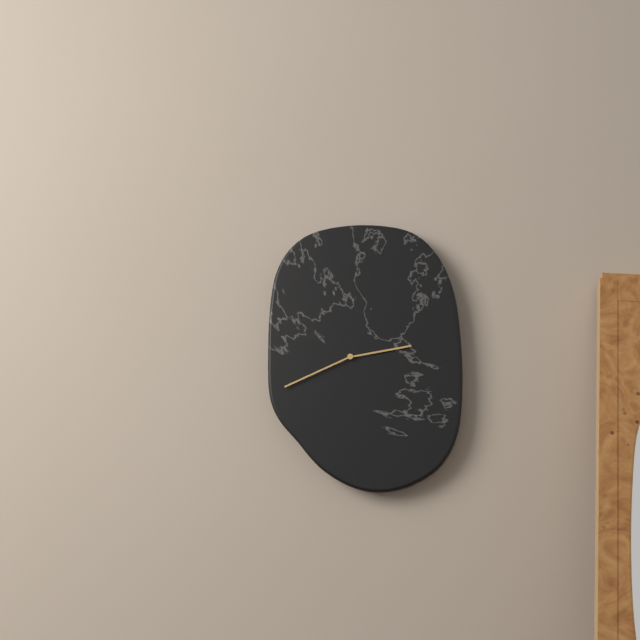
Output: 2h41
